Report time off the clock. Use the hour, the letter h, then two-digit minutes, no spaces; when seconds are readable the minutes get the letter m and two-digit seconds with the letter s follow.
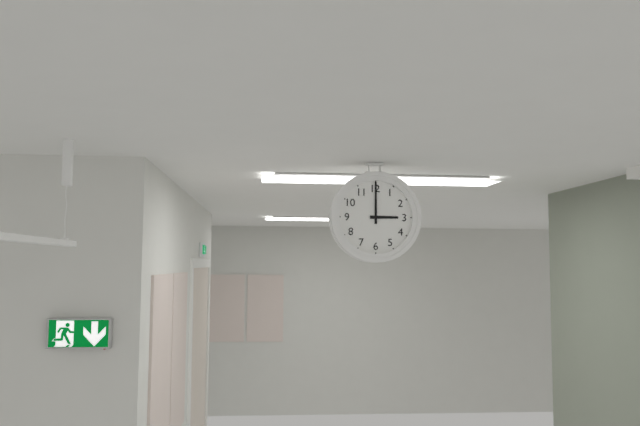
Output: 3h00
